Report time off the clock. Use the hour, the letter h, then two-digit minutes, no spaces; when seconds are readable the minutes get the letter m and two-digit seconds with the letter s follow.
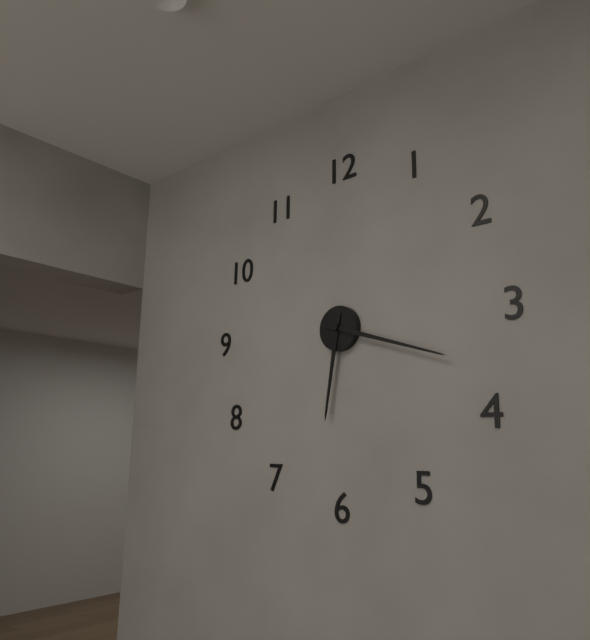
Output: 6h18
